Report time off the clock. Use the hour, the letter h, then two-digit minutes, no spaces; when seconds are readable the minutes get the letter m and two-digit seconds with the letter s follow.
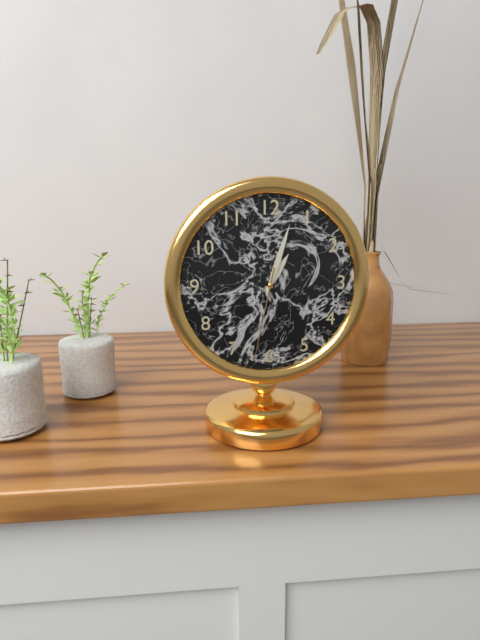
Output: 1h03m32s
